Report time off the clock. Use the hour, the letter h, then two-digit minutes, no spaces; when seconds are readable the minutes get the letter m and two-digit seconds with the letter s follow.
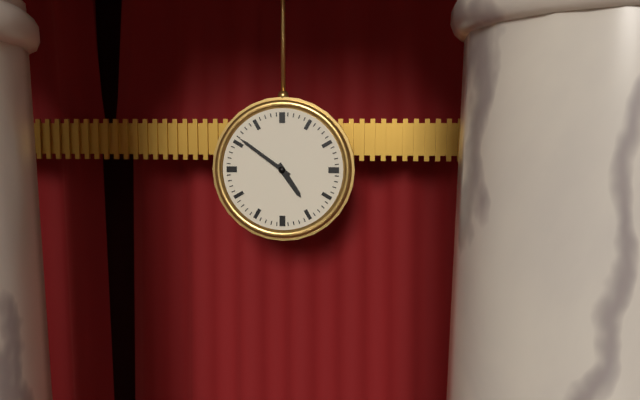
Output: 4h51
